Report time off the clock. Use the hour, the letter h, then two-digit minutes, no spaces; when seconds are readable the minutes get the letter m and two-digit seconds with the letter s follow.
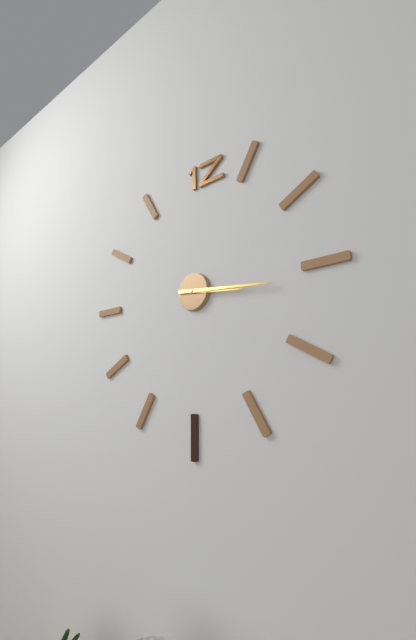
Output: 3h16
